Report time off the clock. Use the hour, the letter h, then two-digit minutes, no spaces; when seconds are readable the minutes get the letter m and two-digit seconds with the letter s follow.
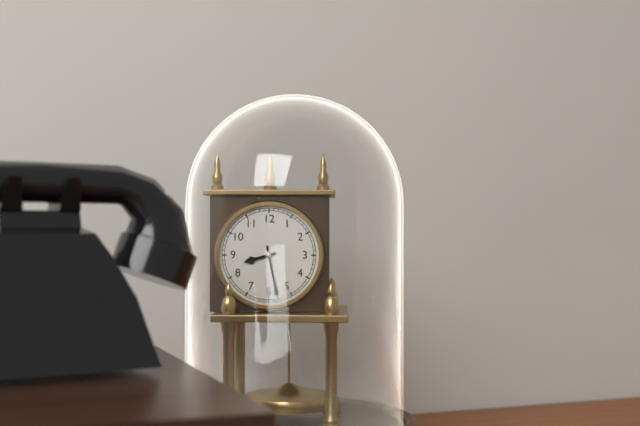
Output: 8h28
